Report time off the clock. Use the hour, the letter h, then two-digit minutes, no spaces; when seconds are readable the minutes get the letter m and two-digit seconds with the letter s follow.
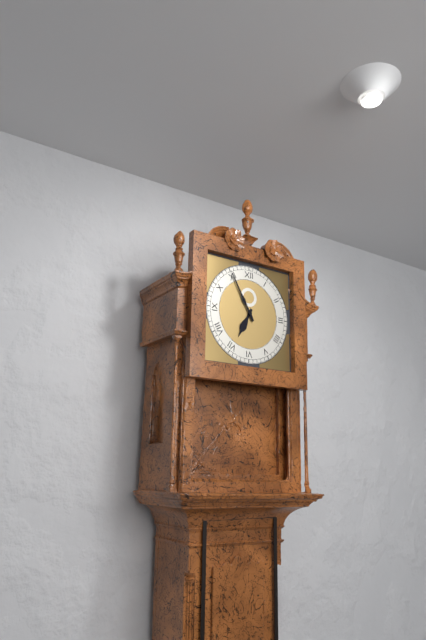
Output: 6h55
